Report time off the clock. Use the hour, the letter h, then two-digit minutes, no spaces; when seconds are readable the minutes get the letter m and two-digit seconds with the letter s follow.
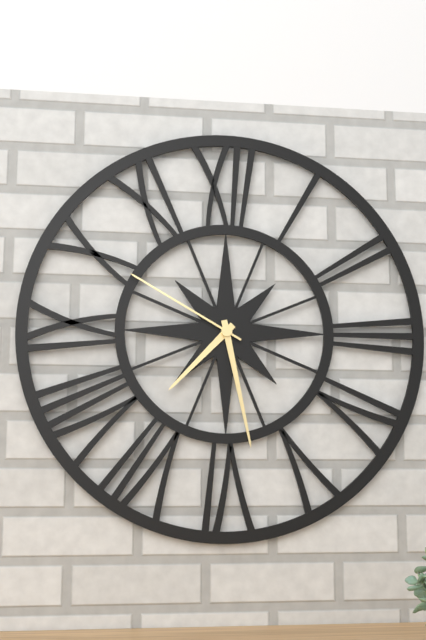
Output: 7h28m50s
